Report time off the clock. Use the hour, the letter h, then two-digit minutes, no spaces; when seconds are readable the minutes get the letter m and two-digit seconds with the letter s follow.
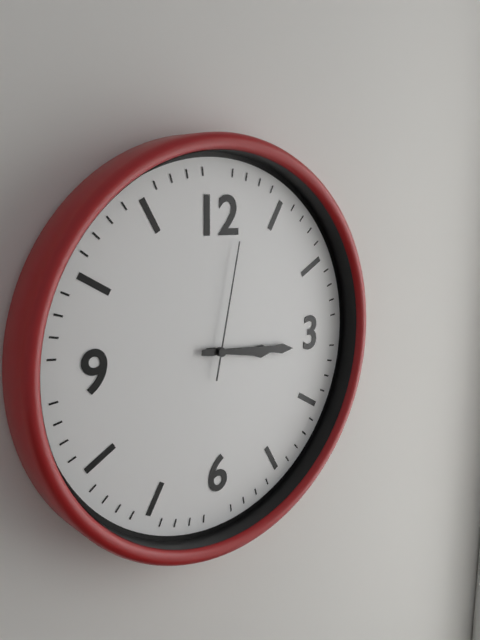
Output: 3h16m02s
